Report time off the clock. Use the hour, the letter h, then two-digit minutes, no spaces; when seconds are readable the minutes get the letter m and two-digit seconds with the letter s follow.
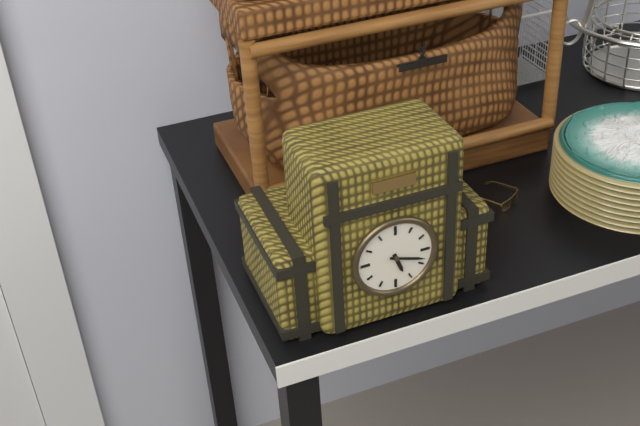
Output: 5h18
